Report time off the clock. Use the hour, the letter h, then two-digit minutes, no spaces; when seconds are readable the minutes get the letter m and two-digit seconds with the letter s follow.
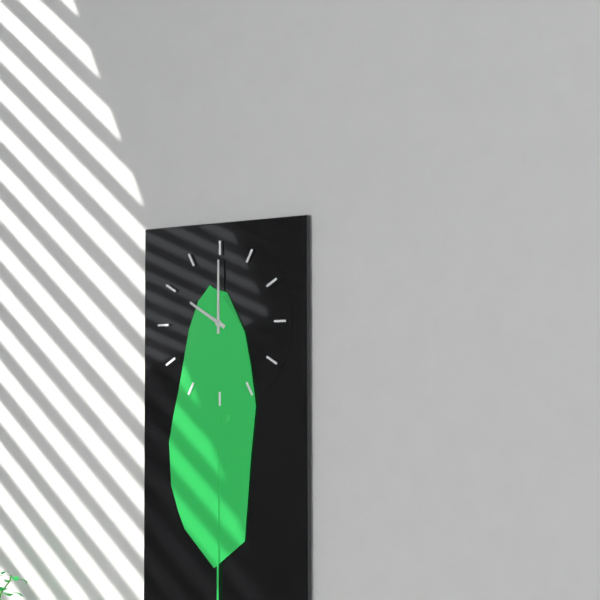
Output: 10h00
